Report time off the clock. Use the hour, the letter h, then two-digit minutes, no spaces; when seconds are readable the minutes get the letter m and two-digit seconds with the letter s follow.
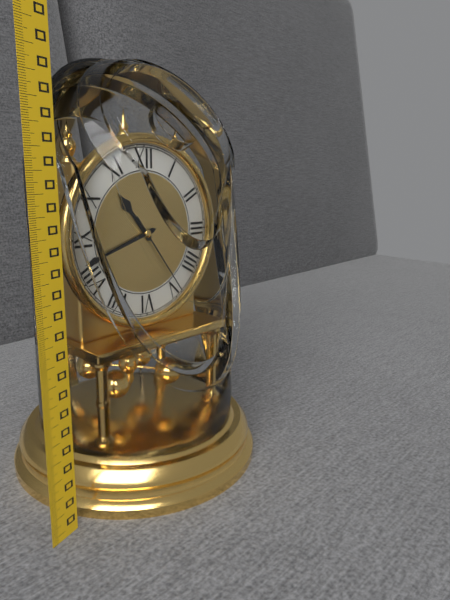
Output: 10h42m24s
